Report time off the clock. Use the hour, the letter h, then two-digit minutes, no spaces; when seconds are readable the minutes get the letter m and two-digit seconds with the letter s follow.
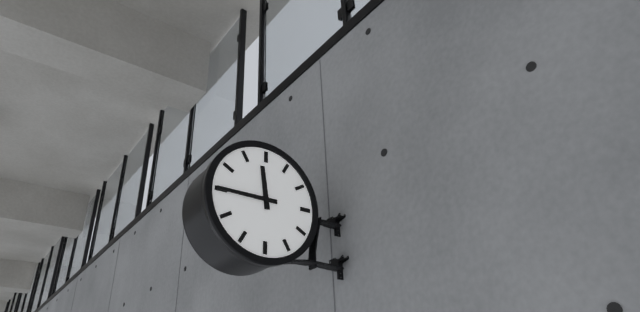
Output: 11h45
